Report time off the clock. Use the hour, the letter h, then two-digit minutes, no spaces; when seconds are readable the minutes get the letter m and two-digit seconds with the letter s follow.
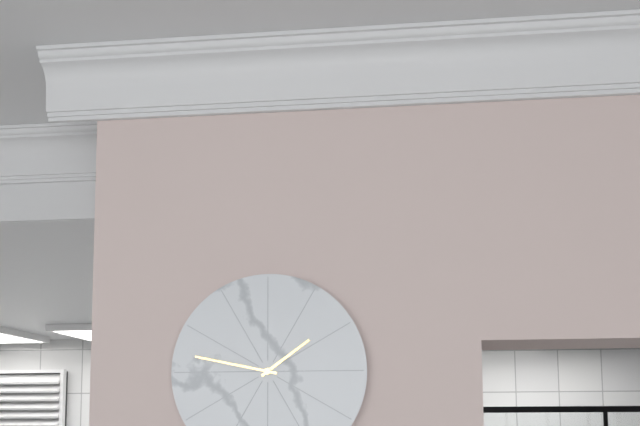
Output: 1h47
